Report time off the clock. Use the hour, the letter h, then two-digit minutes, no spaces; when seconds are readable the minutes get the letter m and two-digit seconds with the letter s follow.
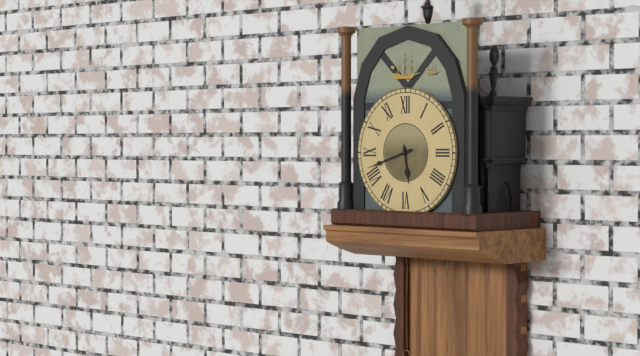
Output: 5h42
